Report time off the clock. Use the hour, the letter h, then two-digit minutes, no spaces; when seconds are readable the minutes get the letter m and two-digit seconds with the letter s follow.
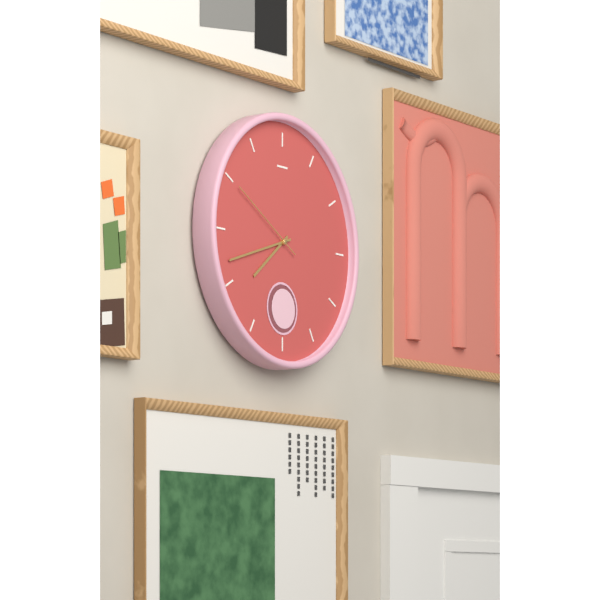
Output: 7h42m50s
